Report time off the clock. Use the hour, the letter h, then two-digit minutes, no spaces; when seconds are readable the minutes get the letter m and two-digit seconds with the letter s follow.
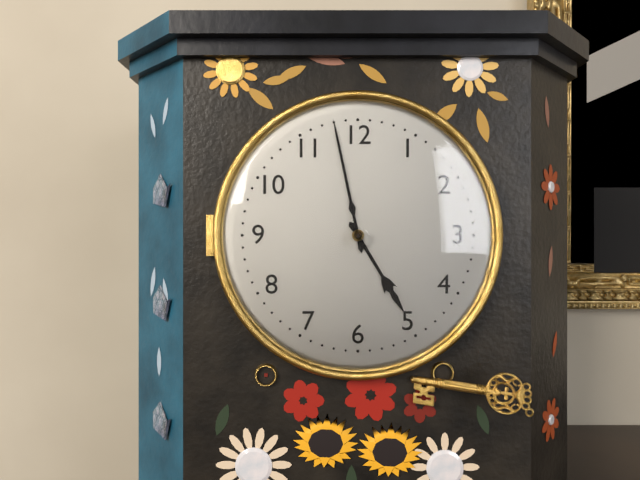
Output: 4h58
